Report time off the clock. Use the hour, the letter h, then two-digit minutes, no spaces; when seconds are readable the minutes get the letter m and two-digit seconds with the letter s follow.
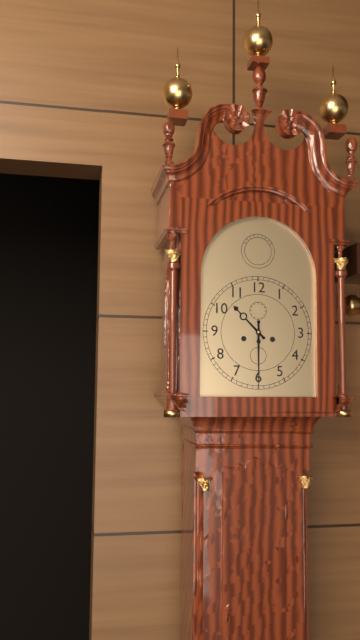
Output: 10h30
